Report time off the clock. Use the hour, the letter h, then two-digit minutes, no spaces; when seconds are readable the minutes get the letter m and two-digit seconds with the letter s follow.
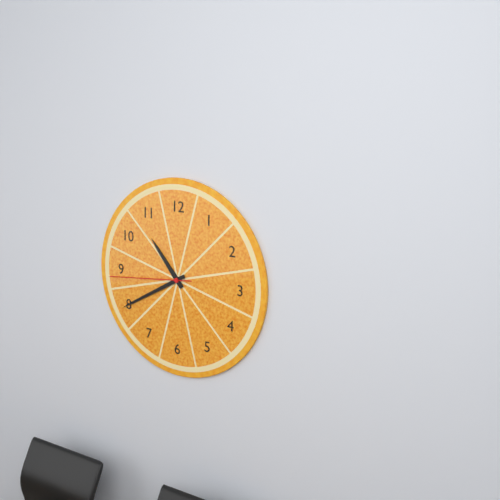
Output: 10h40m44s
